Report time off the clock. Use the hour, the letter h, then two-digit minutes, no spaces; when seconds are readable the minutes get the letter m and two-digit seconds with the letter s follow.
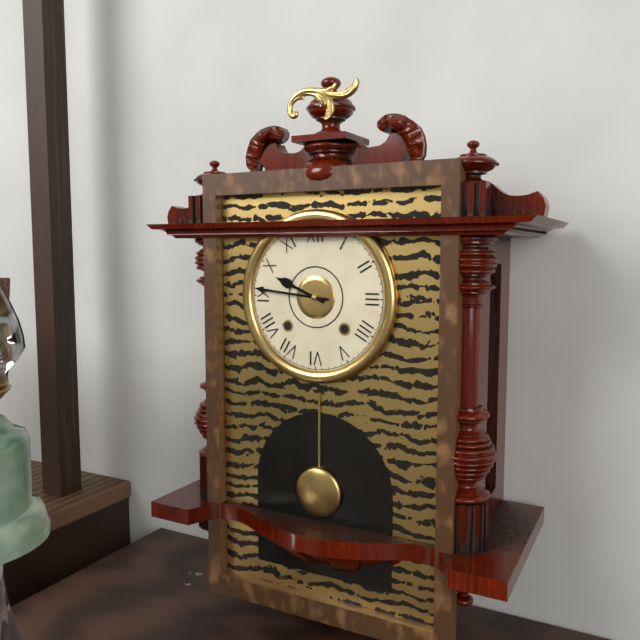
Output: 9h46
